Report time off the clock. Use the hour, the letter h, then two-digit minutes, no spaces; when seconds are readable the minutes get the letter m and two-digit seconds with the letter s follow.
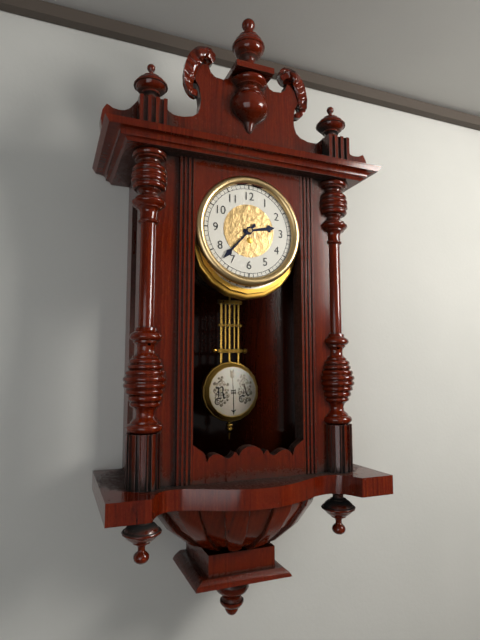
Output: 2h37
